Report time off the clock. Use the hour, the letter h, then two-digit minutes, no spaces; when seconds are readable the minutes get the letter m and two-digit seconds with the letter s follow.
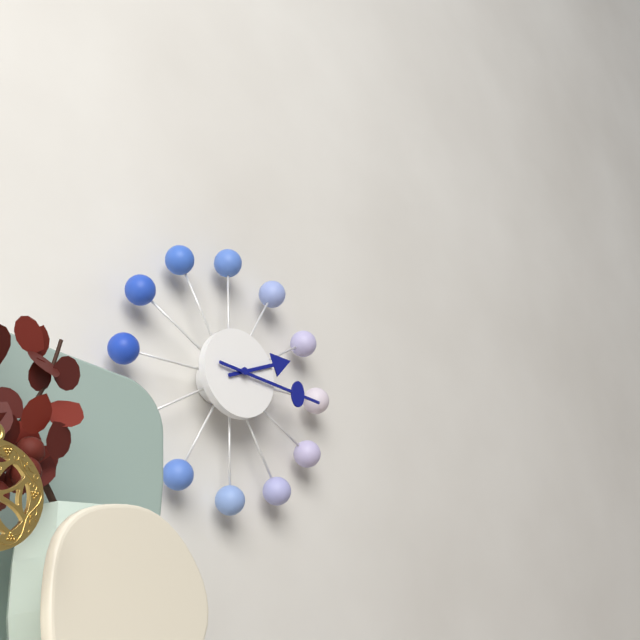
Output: 2h16
